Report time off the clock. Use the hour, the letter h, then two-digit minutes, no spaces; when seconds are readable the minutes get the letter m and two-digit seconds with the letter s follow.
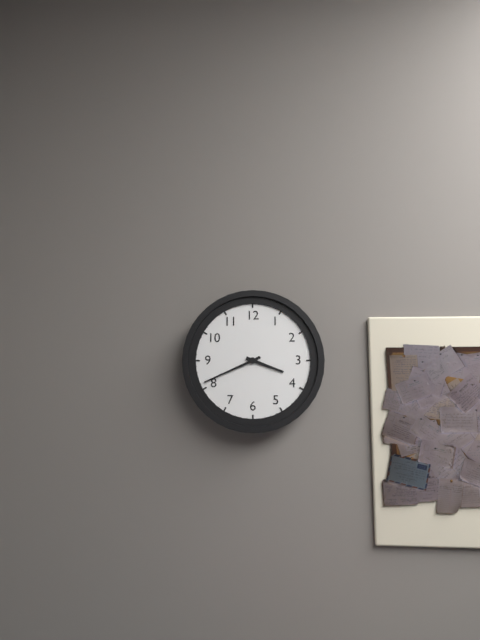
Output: 3h41
